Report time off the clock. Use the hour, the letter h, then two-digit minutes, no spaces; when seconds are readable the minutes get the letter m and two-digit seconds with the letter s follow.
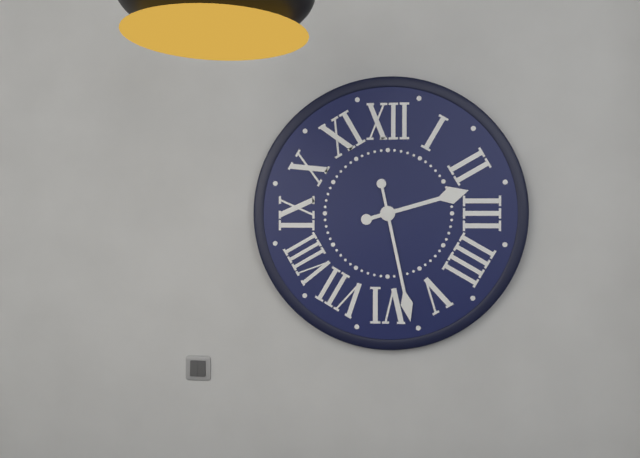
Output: 2h28
